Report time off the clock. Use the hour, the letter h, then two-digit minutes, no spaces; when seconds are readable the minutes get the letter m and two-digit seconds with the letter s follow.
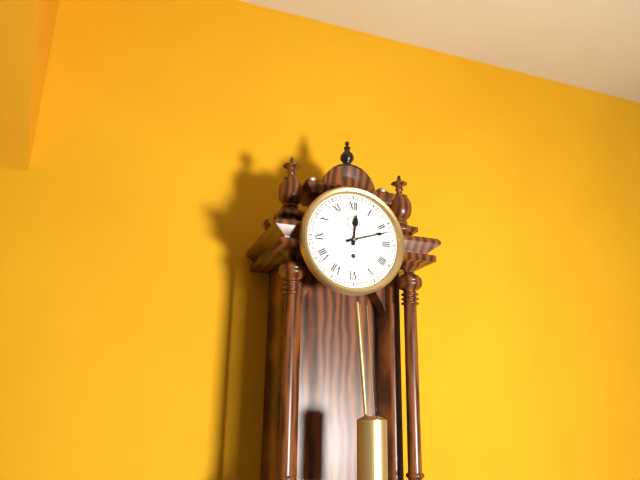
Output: 12h12
